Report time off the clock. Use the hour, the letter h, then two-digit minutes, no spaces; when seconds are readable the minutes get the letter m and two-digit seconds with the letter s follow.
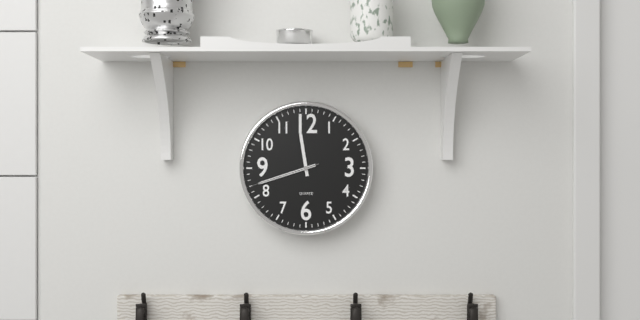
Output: 11h42m42s
